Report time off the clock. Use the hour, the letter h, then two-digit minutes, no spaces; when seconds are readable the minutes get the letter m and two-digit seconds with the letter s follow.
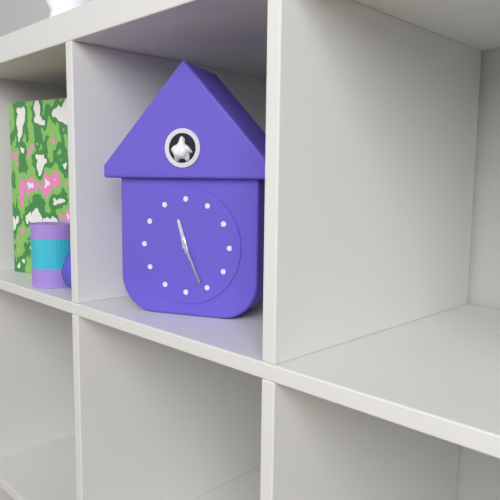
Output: 11h26
